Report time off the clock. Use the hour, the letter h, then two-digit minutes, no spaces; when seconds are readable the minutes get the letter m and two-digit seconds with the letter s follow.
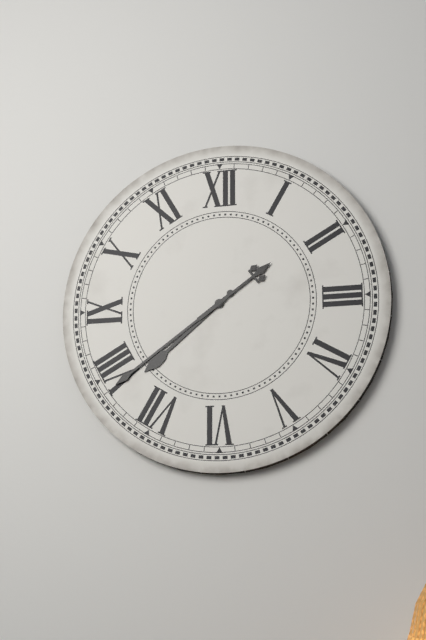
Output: 7h39
